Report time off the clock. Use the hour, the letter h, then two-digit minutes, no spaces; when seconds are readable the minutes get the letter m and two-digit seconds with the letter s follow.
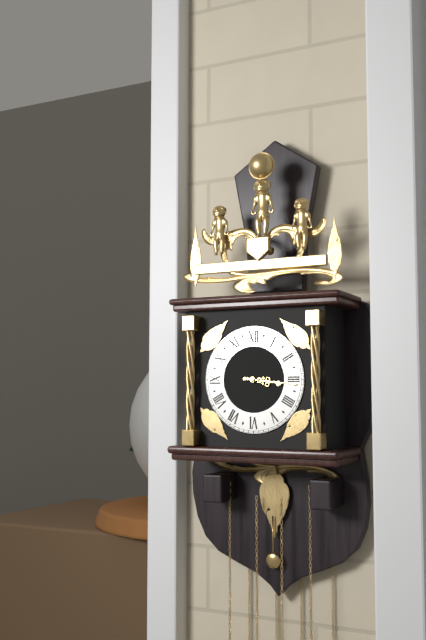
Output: 3h16
